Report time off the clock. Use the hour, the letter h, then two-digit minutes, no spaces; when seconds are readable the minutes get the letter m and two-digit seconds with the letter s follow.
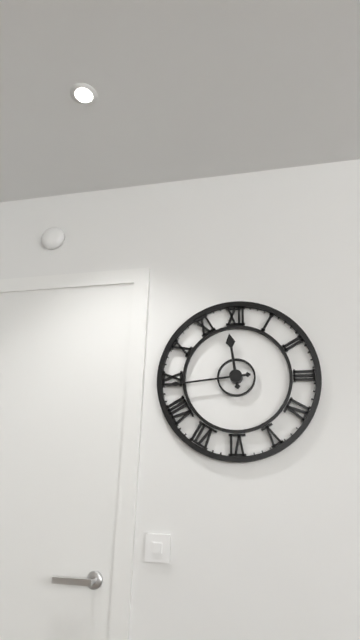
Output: 11h44
